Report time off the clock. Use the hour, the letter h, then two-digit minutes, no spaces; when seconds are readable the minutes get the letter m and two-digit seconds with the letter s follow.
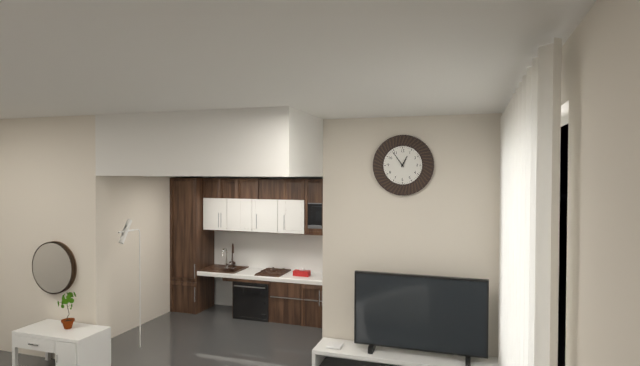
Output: 12h54
